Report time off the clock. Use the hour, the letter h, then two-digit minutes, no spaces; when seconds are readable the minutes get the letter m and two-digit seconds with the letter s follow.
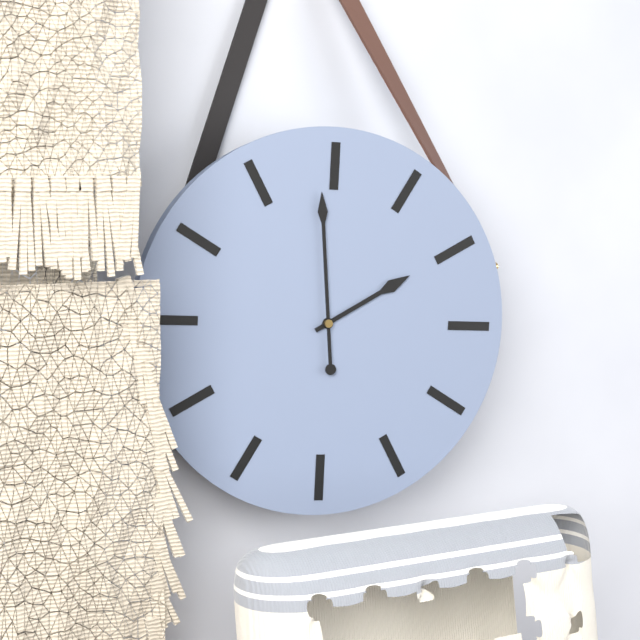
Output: 1h59
